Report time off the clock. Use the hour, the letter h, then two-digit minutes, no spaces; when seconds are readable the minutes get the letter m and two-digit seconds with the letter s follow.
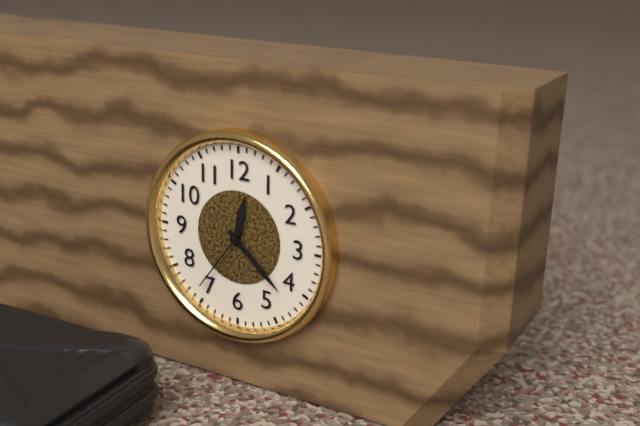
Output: 12h22m36s
